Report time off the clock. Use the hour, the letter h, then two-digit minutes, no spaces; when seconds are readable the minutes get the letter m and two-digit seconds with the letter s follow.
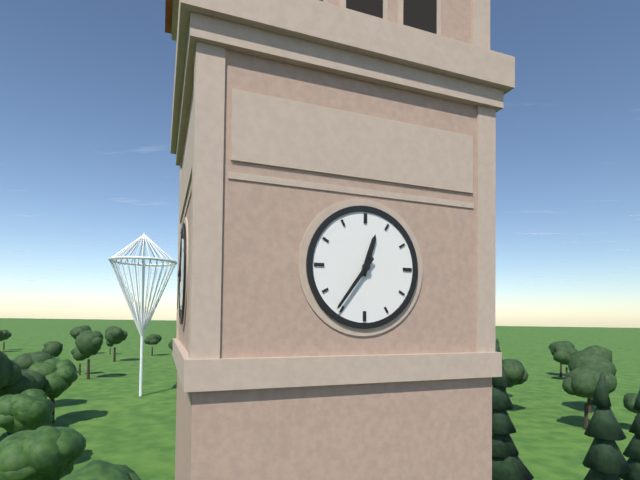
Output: 12h36
